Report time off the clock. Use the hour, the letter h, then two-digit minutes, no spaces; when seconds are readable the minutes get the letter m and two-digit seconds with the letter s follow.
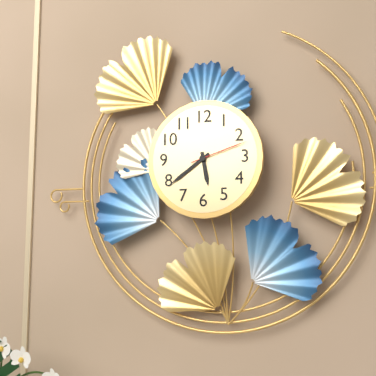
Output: 5h39m12s
